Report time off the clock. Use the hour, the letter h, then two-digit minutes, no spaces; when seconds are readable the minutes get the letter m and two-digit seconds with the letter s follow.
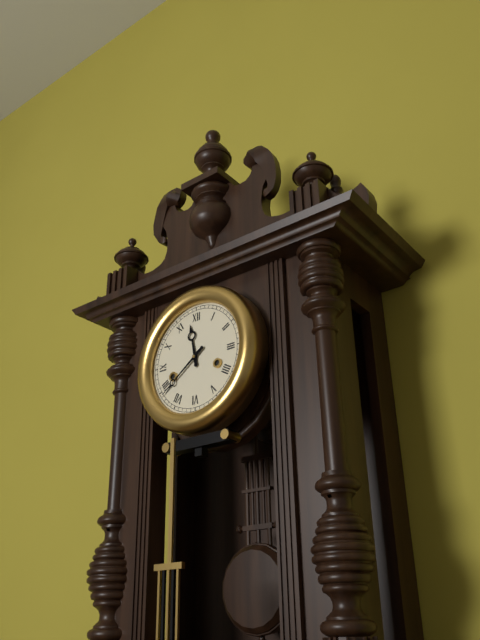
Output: 11h39
